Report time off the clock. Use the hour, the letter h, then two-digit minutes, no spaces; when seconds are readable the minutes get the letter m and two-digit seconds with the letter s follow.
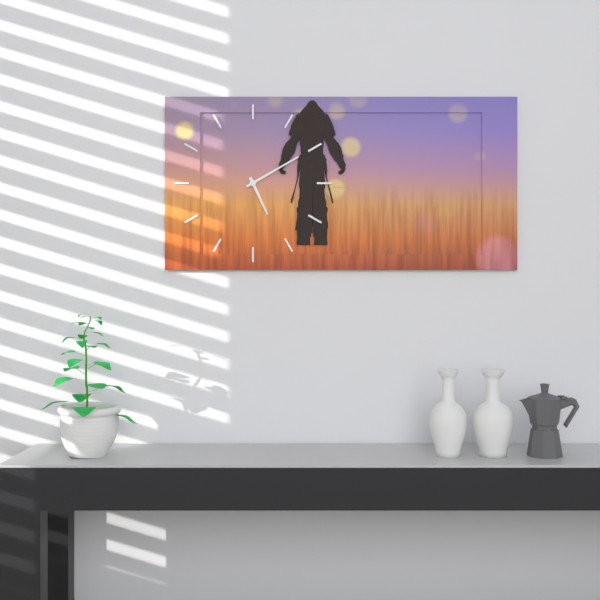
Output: 5h10
